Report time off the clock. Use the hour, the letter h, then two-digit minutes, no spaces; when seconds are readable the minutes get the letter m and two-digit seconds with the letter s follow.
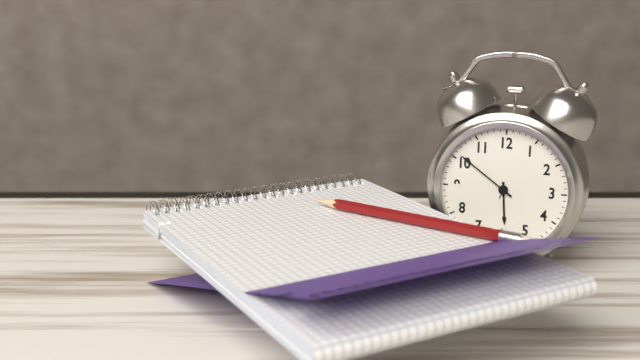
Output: 5h51
